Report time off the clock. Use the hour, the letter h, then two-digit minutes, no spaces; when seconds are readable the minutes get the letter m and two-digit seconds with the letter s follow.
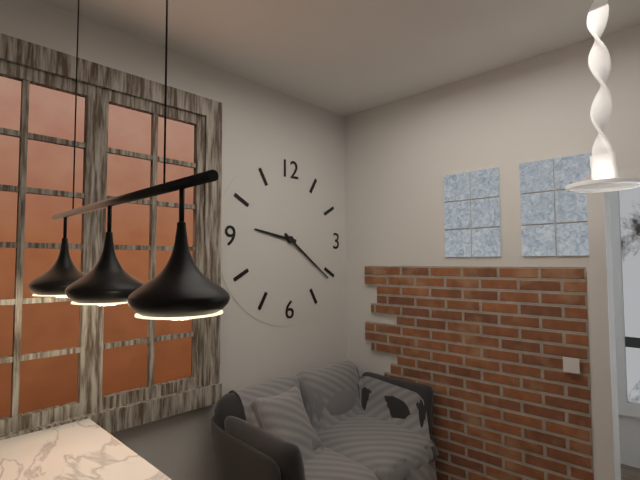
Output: 9h21
